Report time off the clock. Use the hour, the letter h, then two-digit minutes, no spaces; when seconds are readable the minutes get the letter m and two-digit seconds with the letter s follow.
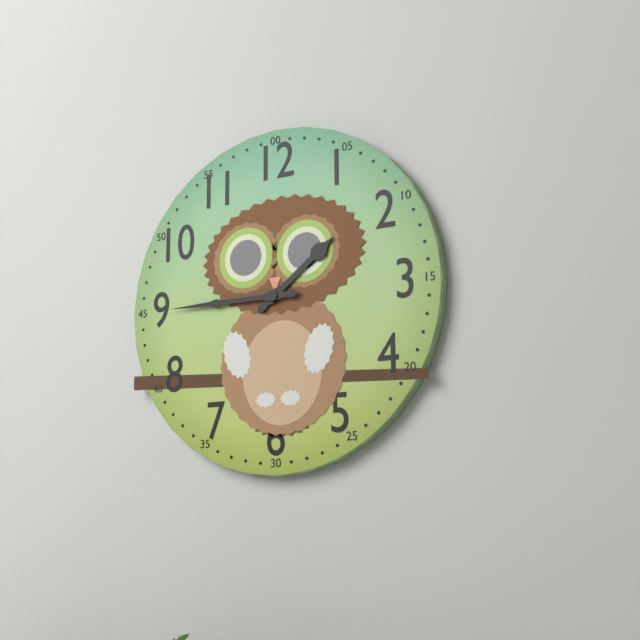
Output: 1h45
